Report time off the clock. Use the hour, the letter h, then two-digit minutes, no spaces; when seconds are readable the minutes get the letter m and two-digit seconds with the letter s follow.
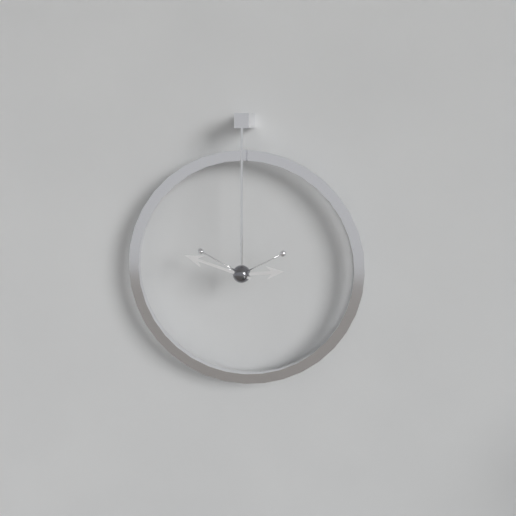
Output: 2h48
